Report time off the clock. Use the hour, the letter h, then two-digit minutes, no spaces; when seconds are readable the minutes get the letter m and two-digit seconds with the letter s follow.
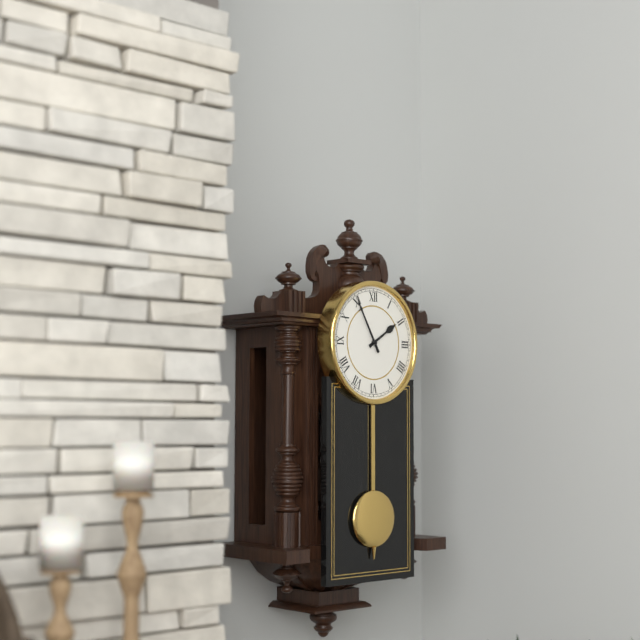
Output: 1h55
